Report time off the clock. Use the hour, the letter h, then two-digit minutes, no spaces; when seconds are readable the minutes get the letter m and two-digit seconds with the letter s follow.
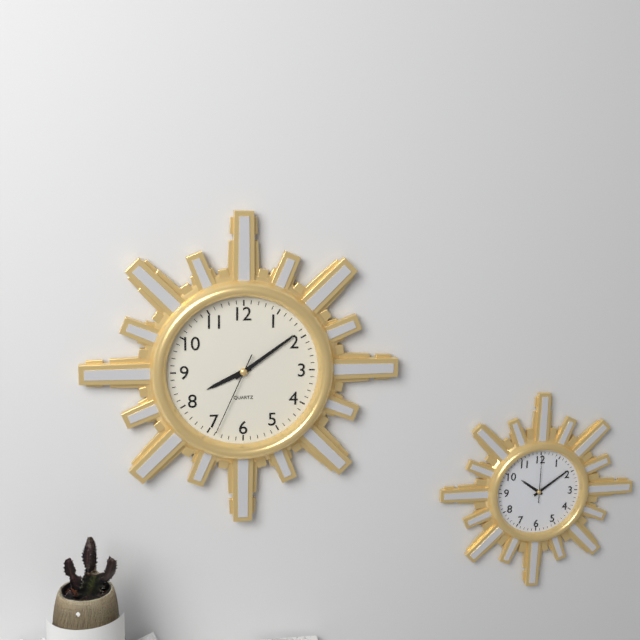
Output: 8h09m34s
